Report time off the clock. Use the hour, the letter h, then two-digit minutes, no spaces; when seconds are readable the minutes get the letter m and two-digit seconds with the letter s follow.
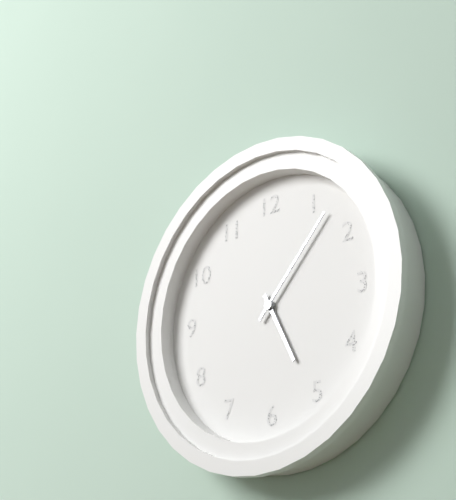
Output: 5h07
